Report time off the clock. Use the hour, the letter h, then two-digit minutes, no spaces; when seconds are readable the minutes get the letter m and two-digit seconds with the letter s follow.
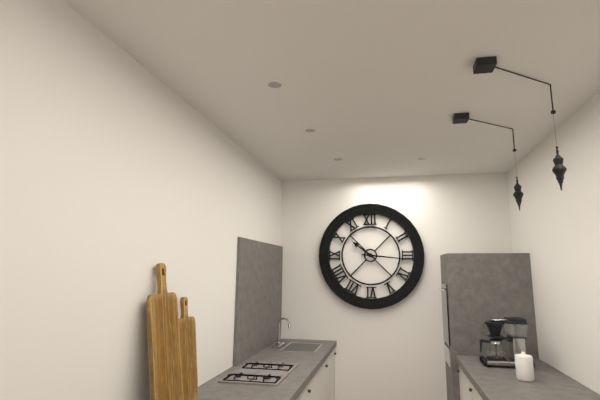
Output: 10h16
